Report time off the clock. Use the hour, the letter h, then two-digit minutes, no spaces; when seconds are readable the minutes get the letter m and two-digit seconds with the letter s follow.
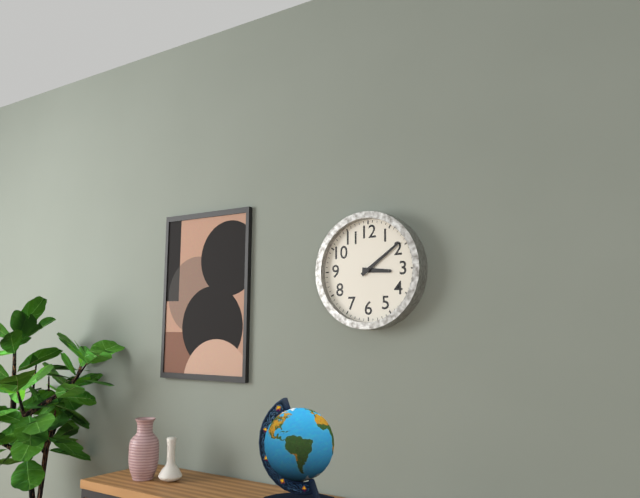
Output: 3h09
